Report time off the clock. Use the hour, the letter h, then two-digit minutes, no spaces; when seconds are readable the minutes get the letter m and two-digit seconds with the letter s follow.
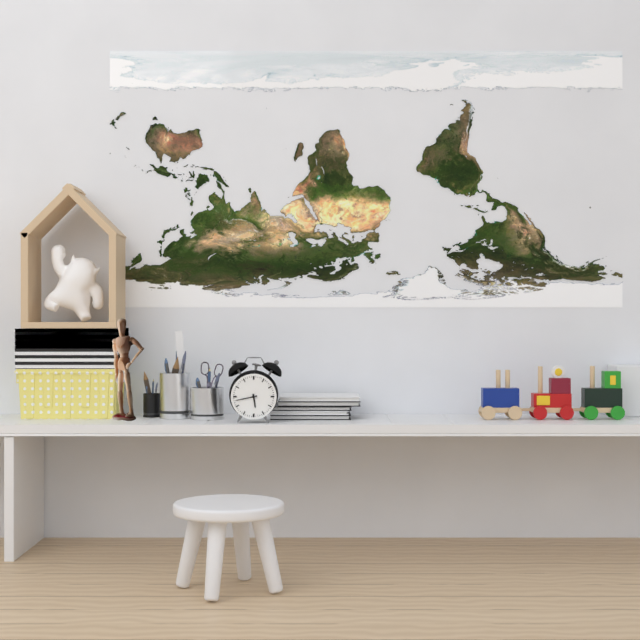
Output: 5h43
